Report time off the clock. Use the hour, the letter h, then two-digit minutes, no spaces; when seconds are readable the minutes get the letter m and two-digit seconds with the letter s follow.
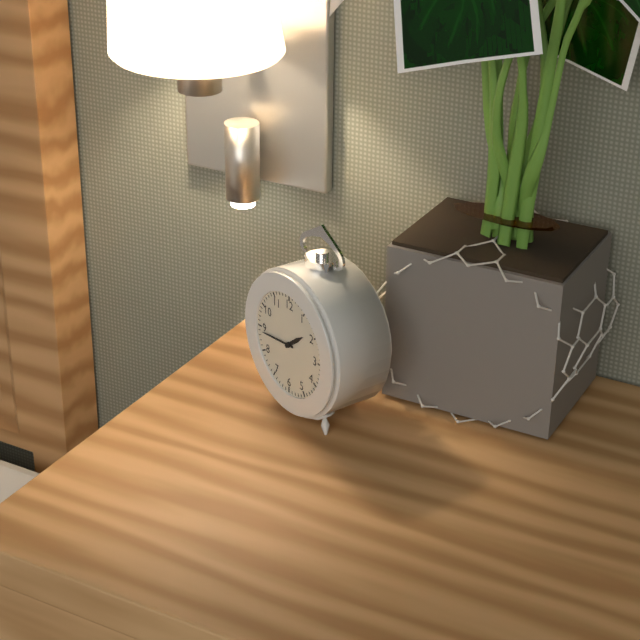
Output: 1h44
